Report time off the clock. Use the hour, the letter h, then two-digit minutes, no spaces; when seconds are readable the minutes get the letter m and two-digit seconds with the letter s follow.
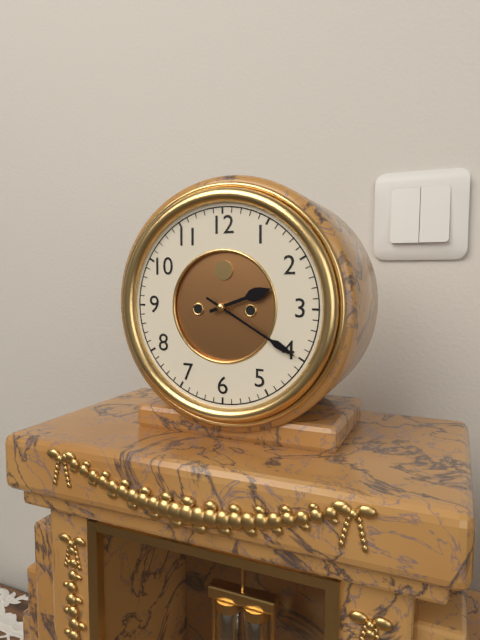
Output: 2h20
